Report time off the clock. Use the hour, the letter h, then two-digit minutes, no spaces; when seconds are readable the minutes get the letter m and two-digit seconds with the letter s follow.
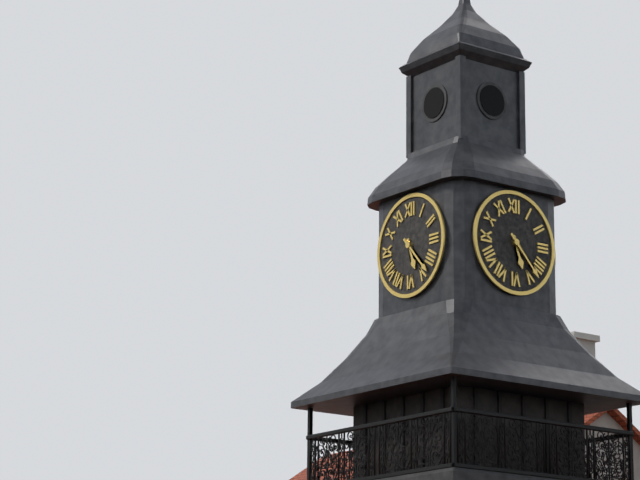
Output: 5h23
